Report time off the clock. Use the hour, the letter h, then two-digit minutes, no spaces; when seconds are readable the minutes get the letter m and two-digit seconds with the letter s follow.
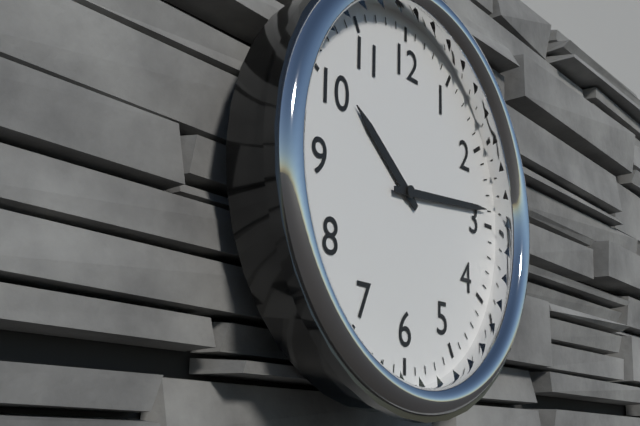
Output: 10h14
